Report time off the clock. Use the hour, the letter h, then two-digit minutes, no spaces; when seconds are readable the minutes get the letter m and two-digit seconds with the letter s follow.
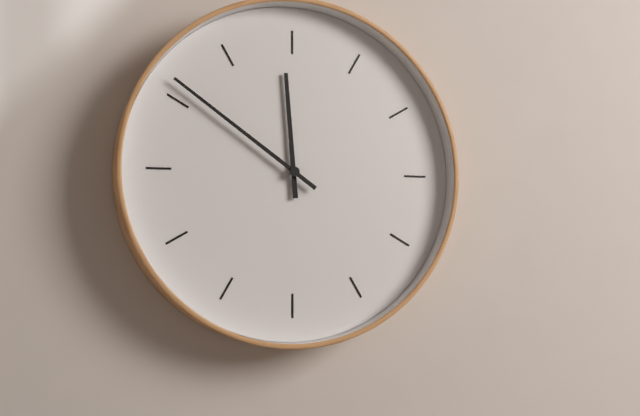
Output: 11h51
